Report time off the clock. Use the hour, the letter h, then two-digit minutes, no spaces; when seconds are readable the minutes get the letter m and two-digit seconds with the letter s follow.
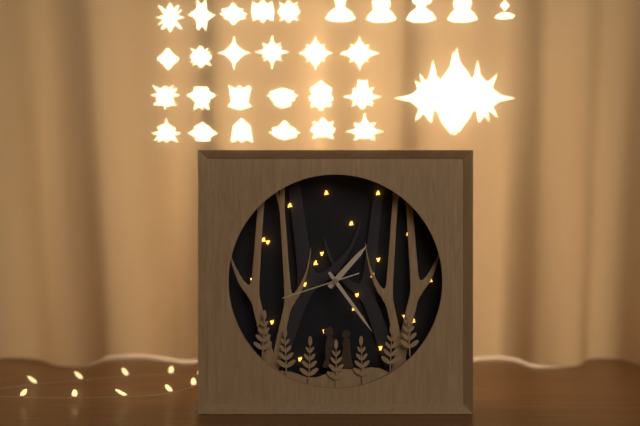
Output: 1h24m42s
